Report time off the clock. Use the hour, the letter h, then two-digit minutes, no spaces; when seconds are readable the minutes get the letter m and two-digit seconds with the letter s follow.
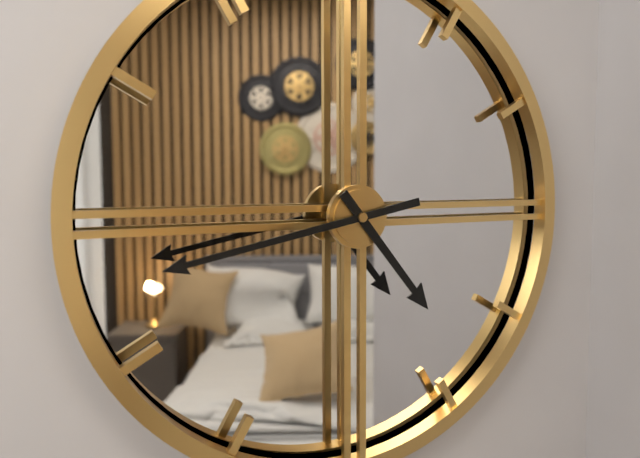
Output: 4h43
